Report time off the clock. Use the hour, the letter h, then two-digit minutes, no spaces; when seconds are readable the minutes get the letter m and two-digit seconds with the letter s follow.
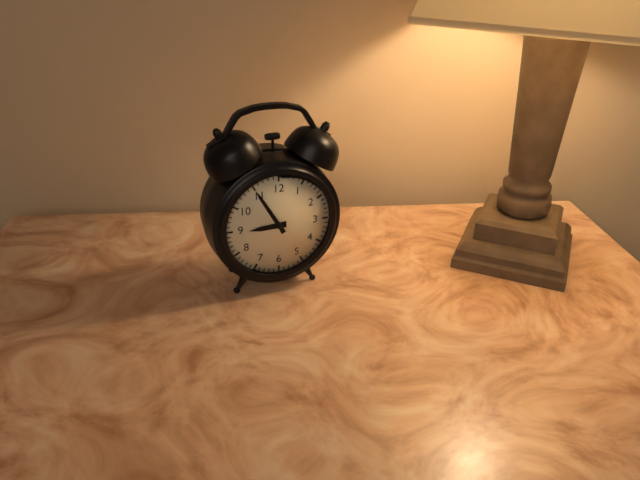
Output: 8h55
